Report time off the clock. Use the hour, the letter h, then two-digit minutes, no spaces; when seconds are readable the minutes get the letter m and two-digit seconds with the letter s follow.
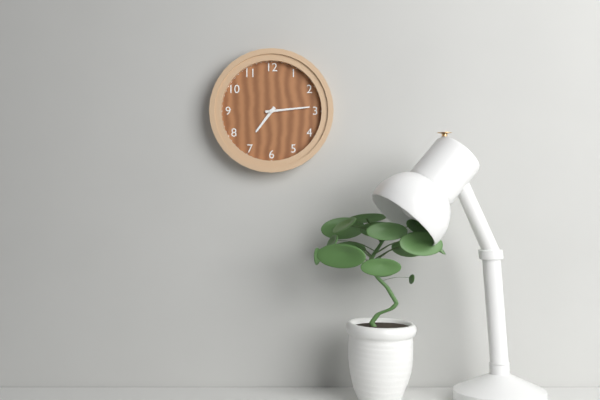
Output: 7h14
